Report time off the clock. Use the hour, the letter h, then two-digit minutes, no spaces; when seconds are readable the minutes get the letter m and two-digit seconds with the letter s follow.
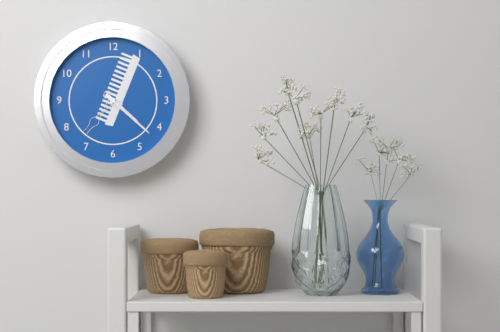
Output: 4h22
